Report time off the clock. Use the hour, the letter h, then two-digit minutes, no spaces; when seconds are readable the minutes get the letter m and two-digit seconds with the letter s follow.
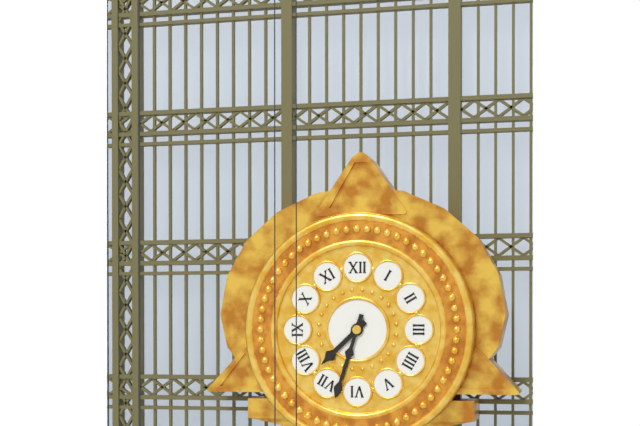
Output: 7h33
